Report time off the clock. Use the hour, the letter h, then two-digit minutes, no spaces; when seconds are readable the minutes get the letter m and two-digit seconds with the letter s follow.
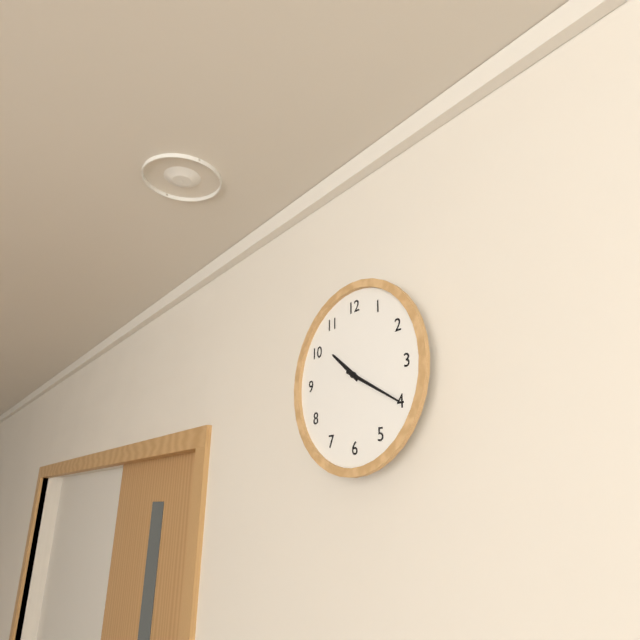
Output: 10h20
